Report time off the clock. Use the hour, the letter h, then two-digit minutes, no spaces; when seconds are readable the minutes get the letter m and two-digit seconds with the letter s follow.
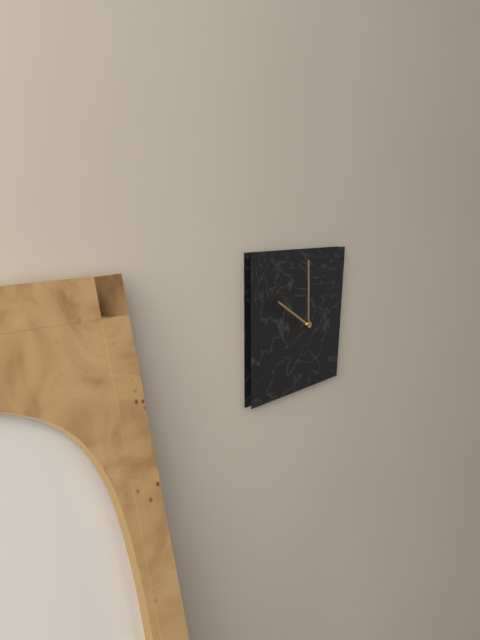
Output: 10h00
